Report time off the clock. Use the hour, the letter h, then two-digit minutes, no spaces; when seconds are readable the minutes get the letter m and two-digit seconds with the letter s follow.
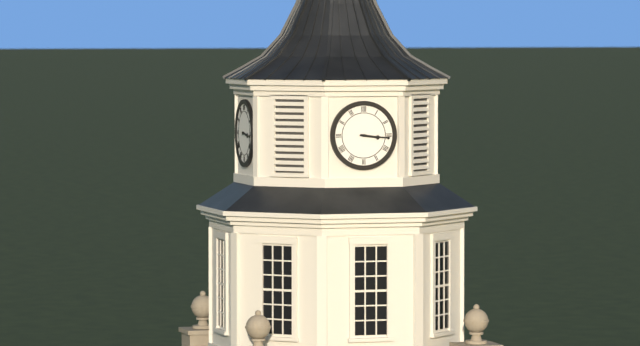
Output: 3h16
